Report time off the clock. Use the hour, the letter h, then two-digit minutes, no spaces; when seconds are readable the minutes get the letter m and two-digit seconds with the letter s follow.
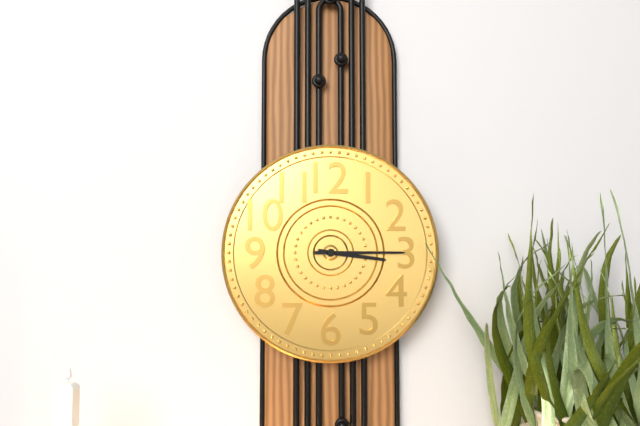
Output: 3h15
